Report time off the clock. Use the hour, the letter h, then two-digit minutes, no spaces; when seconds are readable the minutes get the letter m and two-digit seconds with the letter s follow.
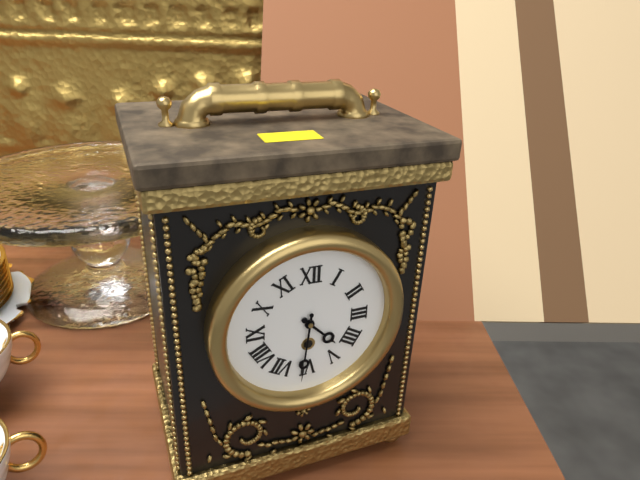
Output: 4h31
